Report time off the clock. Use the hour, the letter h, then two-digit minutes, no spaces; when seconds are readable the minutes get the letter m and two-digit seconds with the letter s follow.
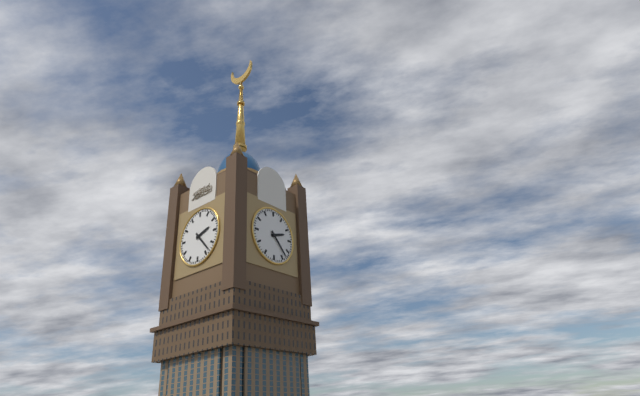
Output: 2h23
